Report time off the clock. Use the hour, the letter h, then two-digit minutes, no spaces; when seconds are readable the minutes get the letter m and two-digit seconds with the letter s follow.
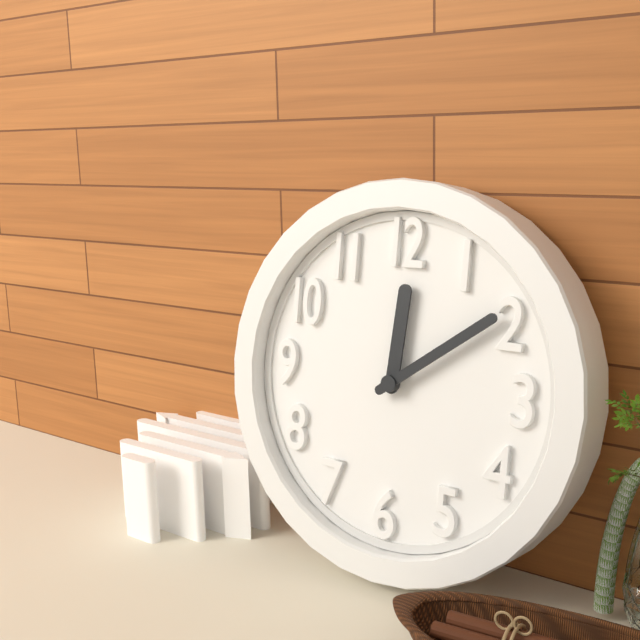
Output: 12h09
